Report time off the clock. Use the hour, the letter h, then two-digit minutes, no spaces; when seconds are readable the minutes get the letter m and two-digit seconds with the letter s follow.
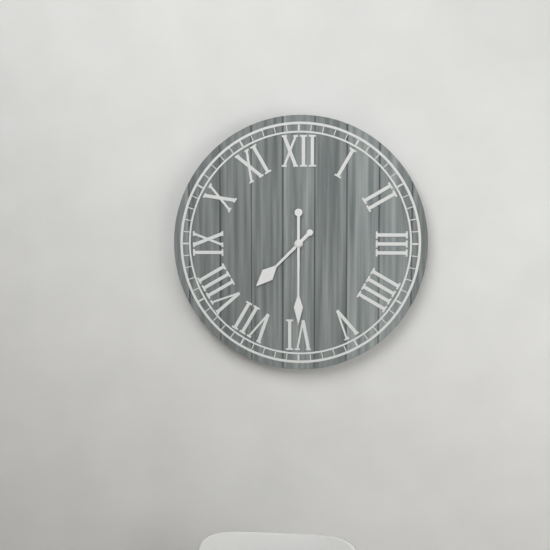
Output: 7h30
